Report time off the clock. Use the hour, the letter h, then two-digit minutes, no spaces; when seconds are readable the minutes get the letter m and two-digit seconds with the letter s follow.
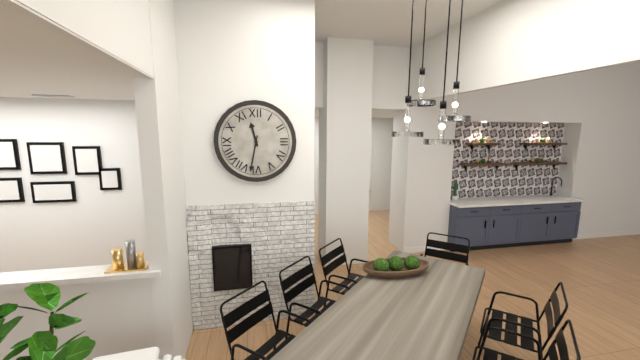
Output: 11h32
